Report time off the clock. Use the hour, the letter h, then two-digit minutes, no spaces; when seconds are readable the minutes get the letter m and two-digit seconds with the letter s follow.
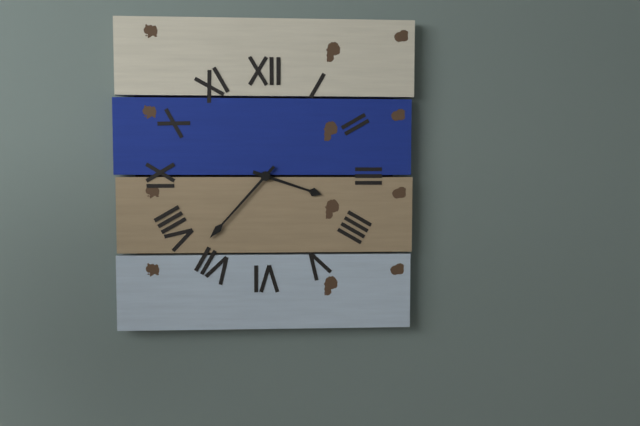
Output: 3h37
